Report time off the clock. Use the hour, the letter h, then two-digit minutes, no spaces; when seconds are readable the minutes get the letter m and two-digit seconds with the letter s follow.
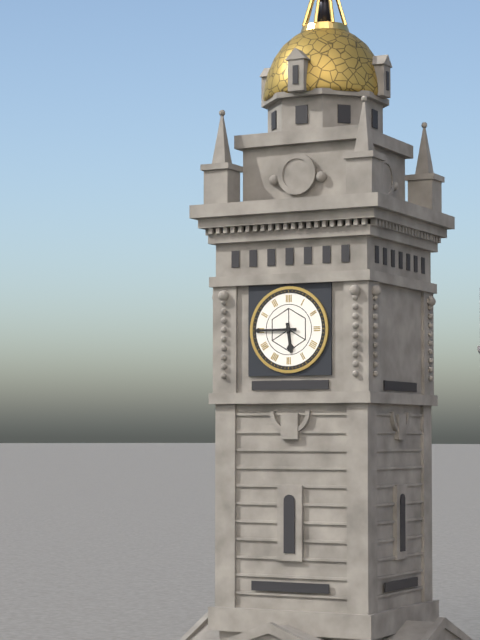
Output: 5h45
